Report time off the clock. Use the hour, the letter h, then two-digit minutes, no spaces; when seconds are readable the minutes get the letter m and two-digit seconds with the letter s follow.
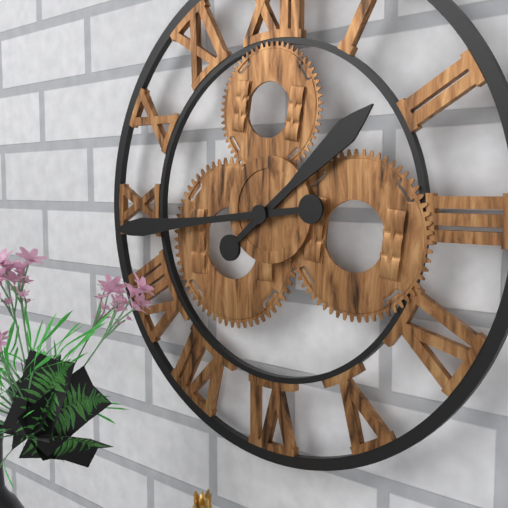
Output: 1h44
